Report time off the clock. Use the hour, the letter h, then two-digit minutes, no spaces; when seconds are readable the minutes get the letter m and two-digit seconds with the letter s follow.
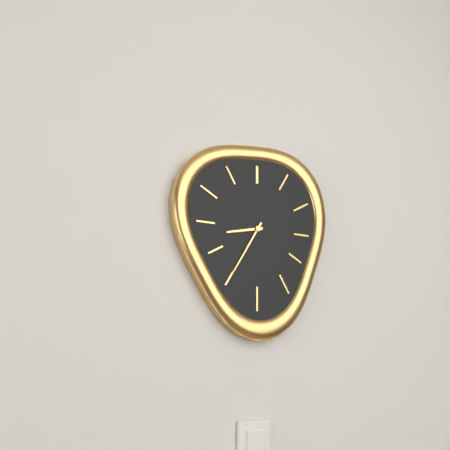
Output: 8h35
